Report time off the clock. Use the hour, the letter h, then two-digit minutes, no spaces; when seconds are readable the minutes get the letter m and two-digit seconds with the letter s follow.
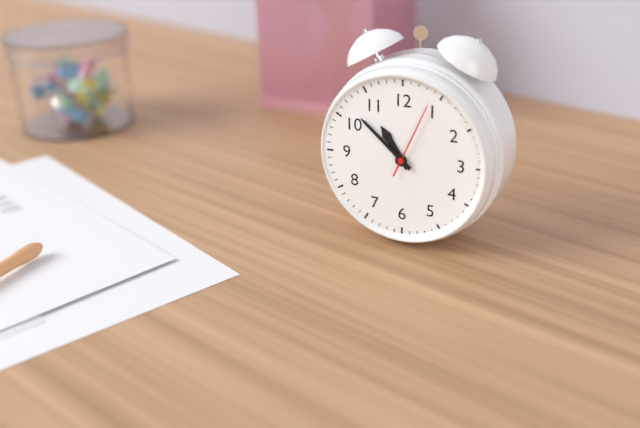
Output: 10h52m04s
